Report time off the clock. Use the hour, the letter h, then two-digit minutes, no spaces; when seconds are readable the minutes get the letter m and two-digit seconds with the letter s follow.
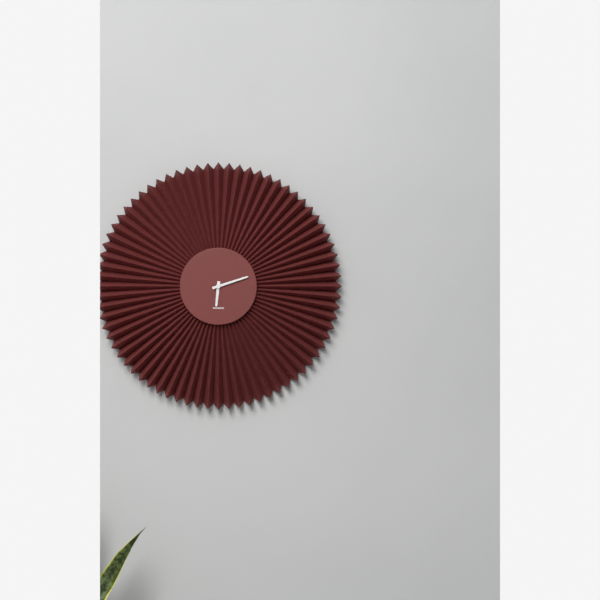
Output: 6h12
